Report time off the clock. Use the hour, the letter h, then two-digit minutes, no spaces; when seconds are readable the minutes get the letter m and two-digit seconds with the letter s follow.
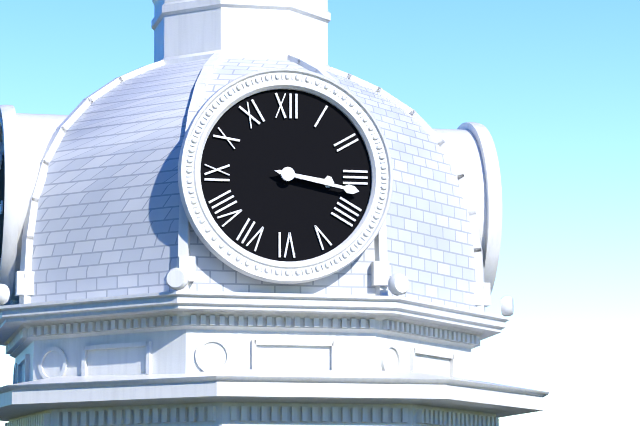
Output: 3h17
